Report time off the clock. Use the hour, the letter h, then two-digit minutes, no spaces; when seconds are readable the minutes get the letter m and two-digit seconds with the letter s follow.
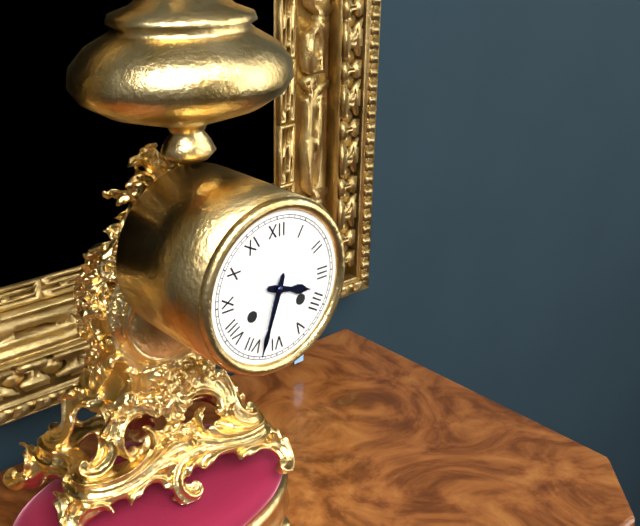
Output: 3h33
